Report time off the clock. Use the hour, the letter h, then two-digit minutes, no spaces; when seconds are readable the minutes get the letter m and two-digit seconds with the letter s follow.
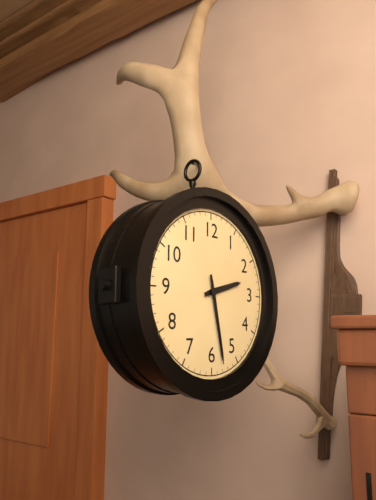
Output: 2h28
